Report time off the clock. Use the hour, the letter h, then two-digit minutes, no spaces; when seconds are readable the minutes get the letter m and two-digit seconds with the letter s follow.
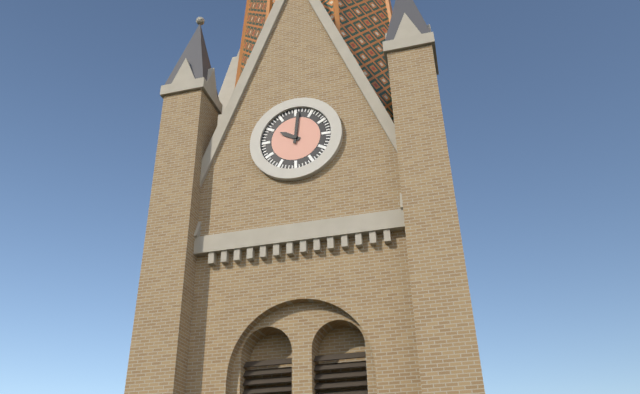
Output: 10h01
